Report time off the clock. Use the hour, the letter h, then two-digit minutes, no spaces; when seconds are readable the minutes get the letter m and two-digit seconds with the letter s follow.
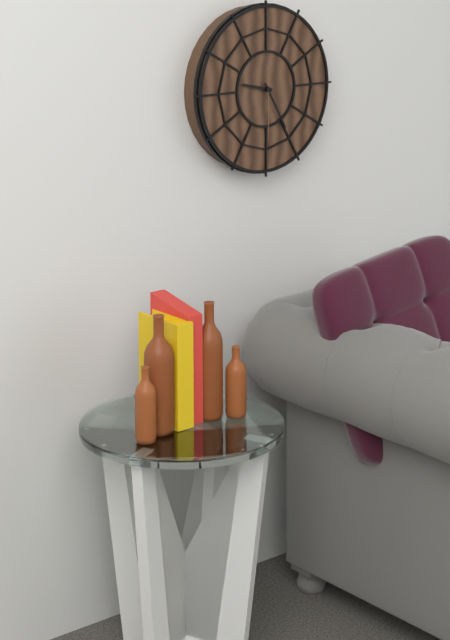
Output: 9h25m30s
